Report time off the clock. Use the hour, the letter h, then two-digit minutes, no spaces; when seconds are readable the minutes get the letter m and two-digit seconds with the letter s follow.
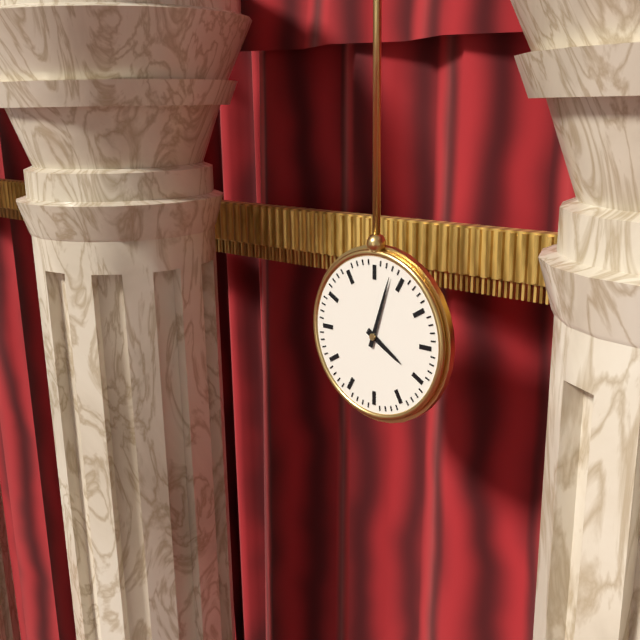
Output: 4h03
